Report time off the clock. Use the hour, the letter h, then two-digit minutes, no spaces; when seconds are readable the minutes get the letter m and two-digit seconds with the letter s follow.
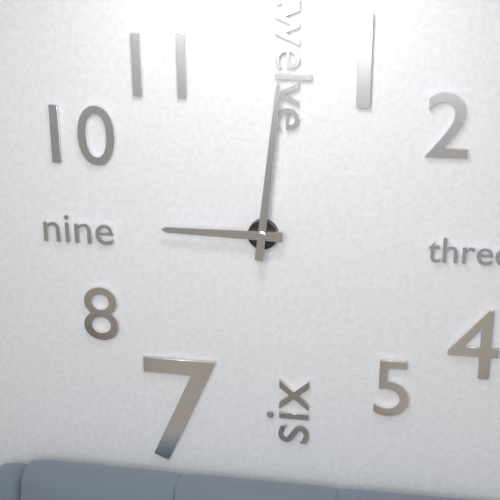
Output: 9h01
